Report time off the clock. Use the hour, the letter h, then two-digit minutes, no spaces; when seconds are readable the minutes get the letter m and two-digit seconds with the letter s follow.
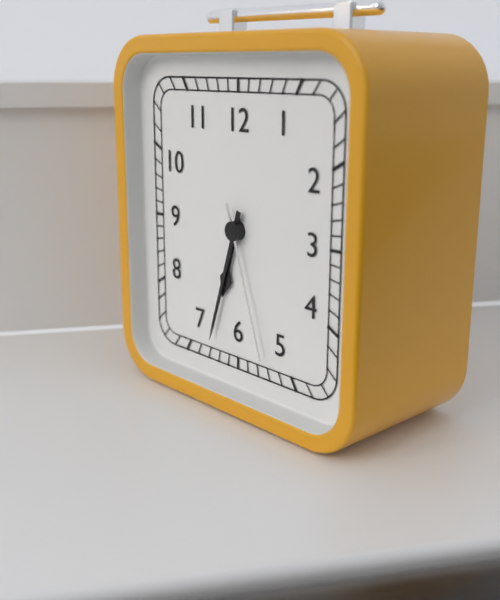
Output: 6h33m27s
